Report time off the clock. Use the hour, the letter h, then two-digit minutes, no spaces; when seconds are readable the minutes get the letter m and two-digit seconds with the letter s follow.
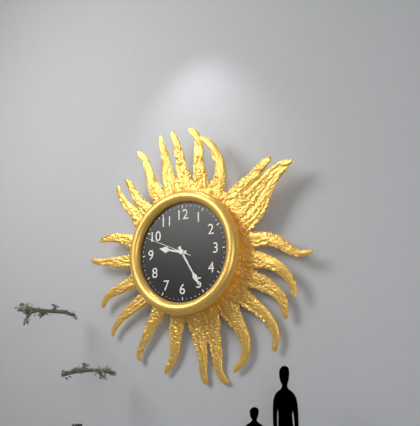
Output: 9h25
